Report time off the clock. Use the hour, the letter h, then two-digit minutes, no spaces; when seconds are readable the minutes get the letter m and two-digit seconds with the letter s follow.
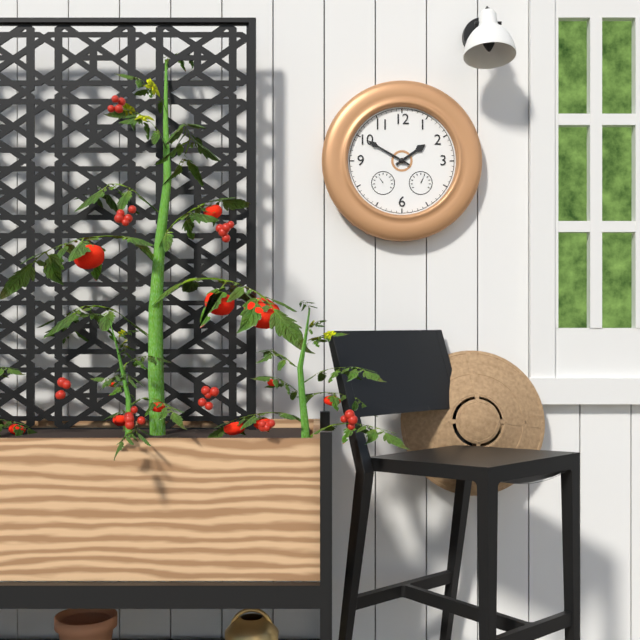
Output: 1h50
